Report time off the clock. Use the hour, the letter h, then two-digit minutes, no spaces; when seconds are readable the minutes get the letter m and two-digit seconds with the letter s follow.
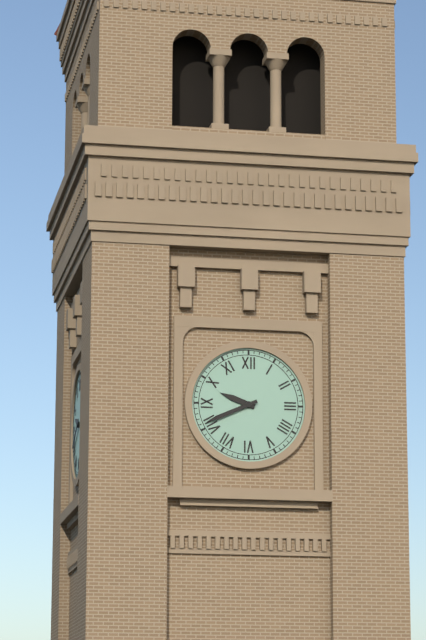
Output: 9h41
